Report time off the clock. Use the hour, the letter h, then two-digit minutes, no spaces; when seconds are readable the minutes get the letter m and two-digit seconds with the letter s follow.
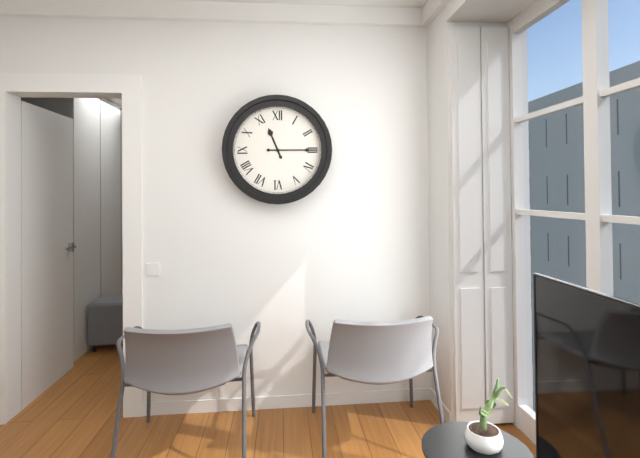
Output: 11h15
